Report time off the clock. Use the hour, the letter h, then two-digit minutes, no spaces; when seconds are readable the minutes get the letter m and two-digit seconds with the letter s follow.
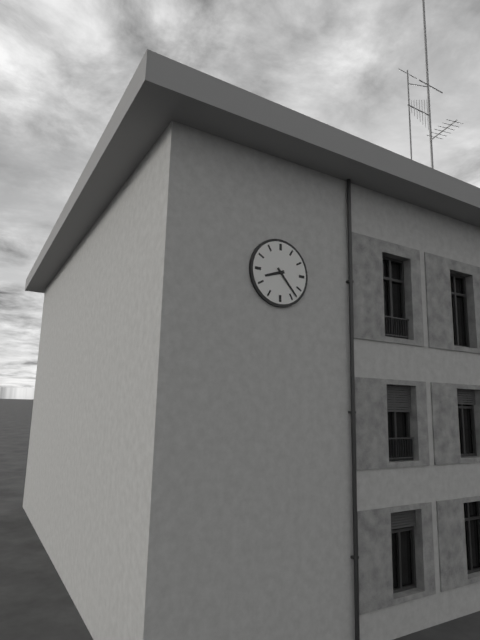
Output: 8h23
